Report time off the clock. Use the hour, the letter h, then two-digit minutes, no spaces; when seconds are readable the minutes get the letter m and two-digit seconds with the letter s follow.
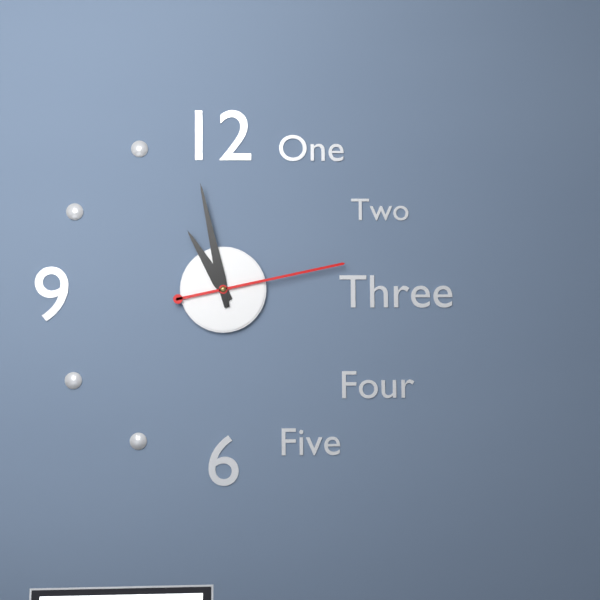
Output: 10h58m13s
